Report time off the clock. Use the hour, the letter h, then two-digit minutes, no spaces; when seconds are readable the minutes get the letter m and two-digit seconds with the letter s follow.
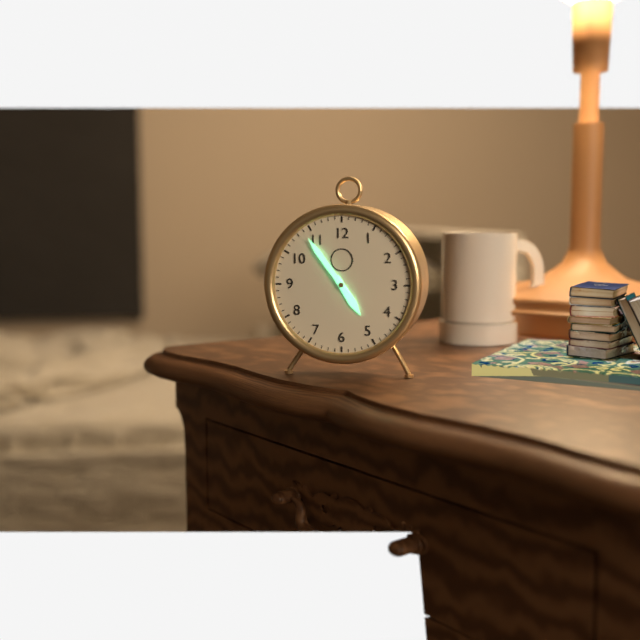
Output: 4h54
